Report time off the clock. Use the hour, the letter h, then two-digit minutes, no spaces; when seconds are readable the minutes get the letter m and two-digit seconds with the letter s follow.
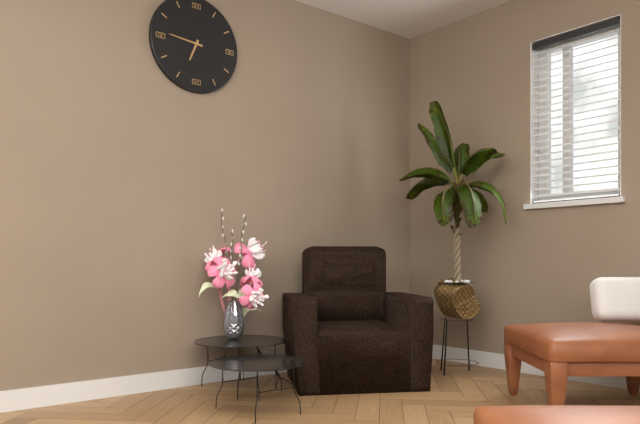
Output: 6h46
